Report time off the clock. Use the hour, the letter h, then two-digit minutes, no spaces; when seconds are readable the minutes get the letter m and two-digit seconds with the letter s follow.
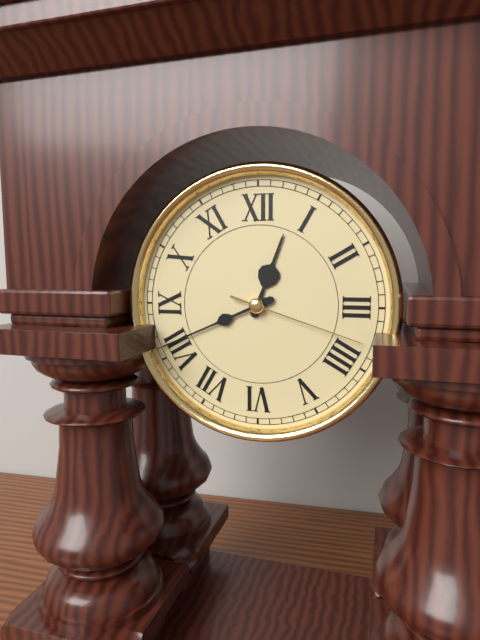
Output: 12h41m18s
